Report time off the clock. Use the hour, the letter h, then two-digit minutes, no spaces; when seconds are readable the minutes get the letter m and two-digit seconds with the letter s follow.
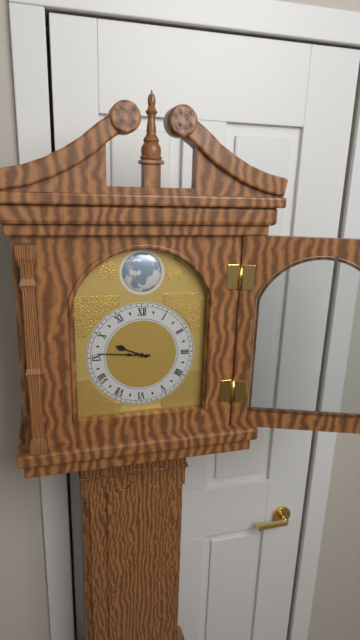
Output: 9h46
